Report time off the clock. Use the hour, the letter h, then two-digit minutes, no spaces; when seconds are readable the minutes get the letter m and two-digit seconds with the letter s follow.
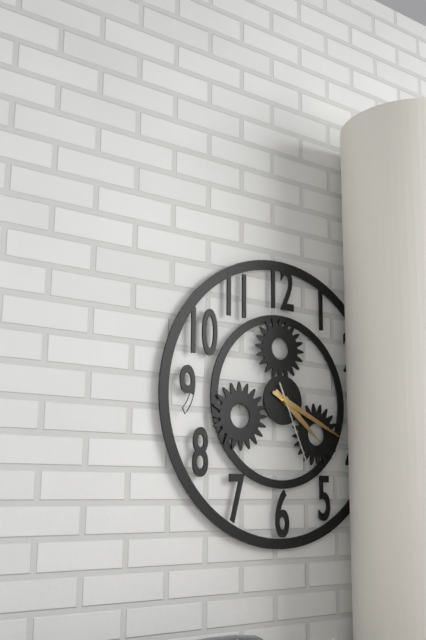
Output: 4h19m26s
